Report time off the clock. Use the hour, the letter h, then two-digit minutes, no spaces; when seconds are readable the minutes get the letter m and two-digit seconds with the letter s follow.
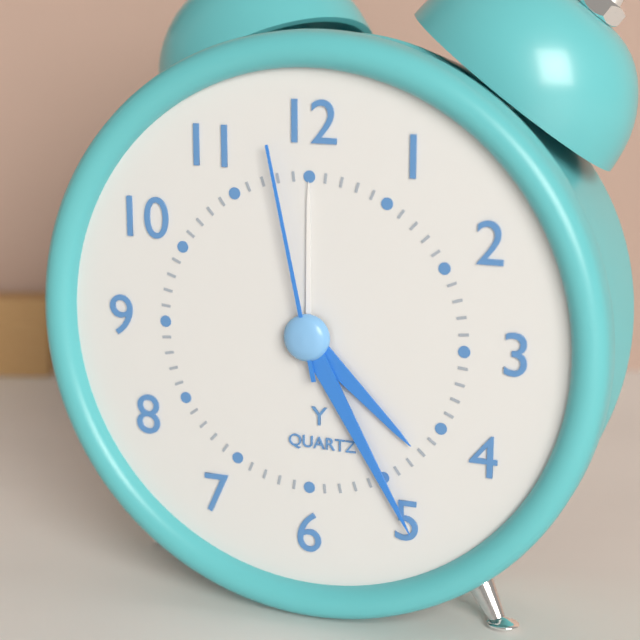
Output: 4h25m58s
